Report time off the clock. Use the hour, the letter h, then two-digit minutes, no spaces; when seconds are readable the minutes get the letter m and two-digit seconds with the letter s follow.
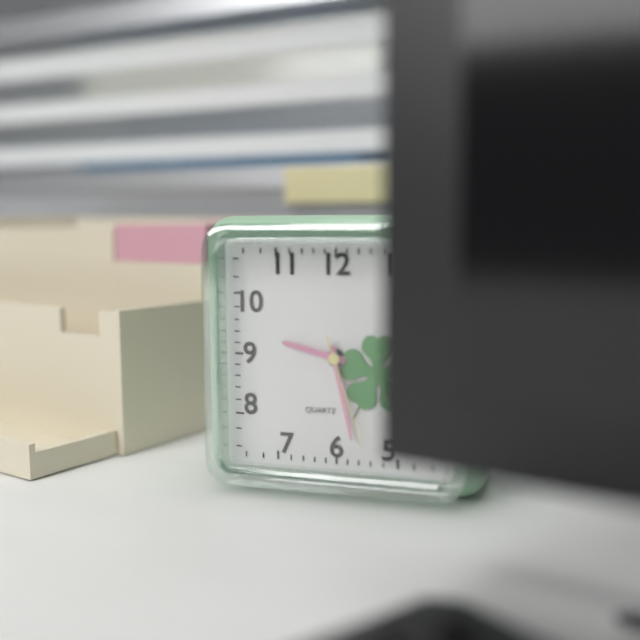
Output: 9h28m27s
